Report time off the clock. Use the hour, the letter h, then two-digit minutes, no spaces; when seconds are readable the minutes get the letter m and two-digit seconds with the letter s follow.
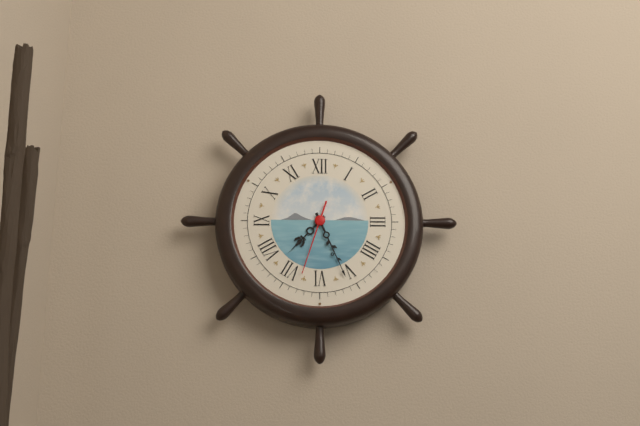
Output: 7h26m33s
